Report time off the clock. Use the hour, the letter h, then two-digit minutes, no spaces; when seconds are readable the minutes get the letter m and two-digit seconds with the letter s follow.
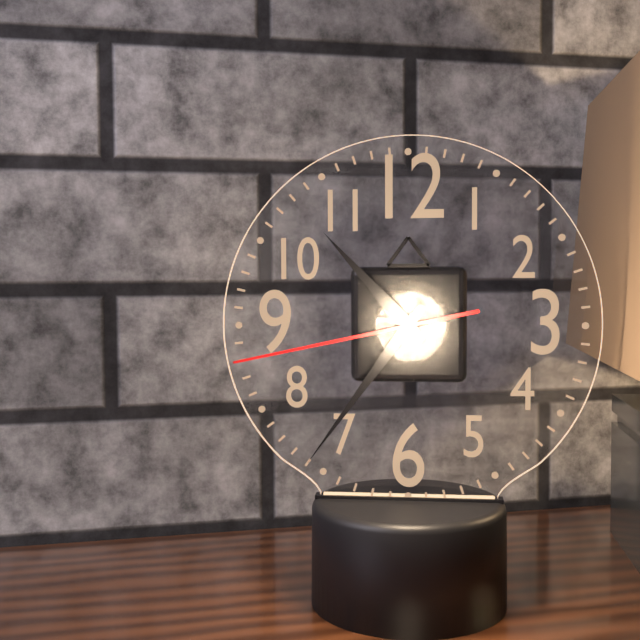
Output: 10h36m43s
